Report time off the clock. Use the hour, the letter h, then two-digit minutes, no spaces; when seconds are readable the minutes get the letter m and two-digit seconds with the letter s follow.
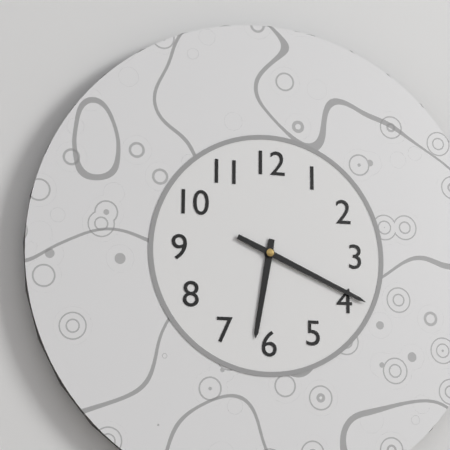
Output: 6h19
